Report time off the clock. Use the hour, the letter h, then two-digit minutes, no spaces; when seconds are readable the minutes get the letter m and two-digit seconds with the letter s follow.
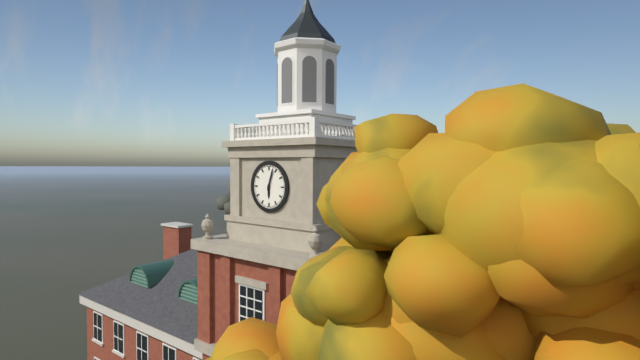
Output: 6h03
